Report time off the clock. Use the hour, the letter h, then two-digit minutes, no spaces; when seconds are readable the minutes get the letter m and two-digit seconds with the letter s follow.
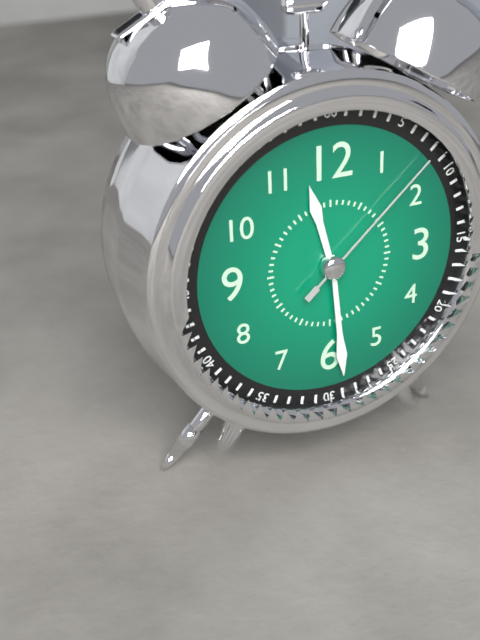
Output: 11h29m08s
